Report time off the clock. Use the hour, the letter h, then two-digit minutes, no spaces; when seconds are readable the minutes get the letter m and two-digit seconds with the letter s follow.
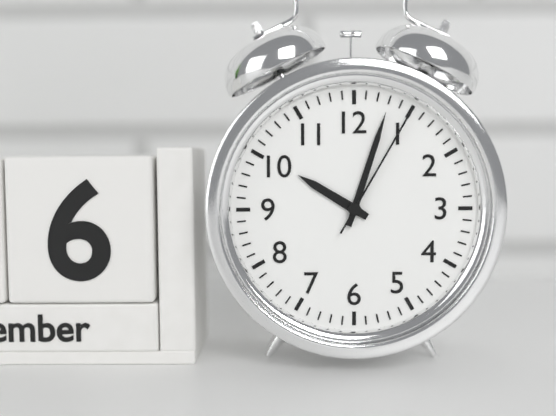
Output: 10h03m05s
